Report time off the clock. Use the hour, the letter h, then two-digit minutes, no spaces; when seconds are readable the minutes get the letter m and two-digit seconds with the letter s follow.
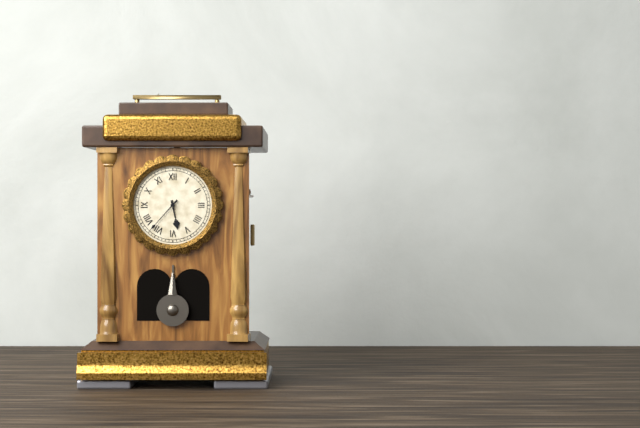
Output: 5h37
